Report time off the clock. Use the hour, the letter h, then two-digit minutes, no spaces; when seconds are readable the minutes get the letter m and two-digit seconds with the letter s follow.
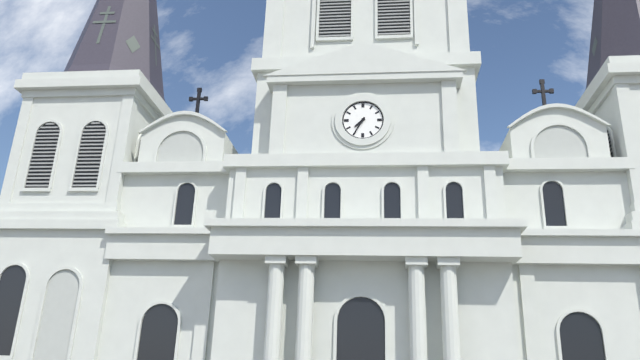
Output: 7h35
